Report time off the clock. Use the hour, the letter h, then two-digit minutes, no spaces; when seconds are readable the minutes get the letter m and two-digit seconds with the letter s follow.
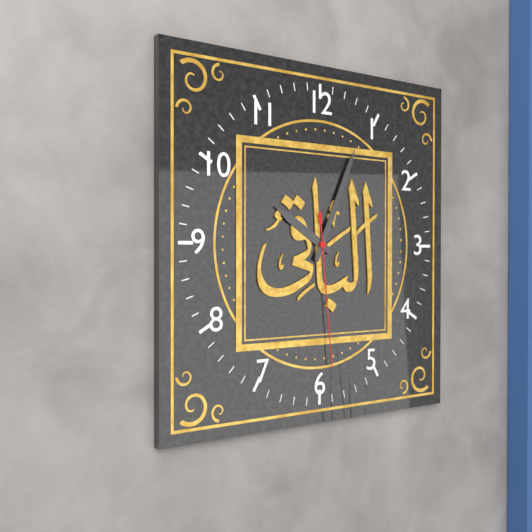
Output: 10h04m29s
